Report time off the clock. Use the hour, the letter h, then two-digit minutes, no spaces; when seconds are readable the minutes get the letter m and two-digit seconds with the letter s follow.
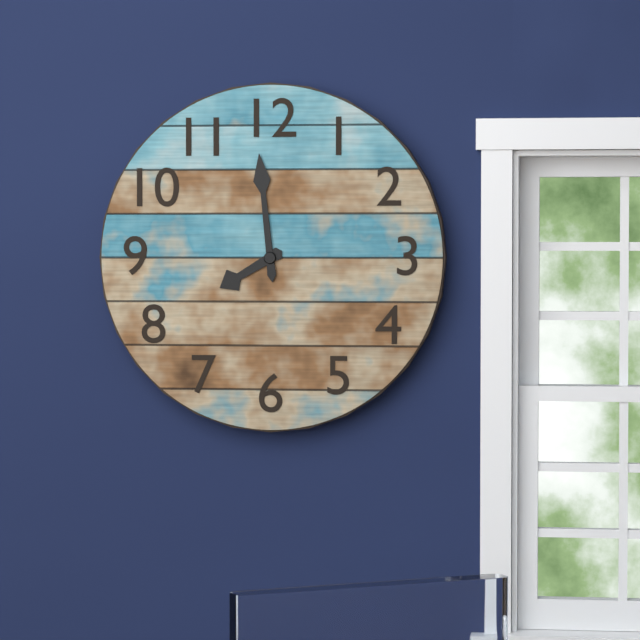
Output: 7h59
